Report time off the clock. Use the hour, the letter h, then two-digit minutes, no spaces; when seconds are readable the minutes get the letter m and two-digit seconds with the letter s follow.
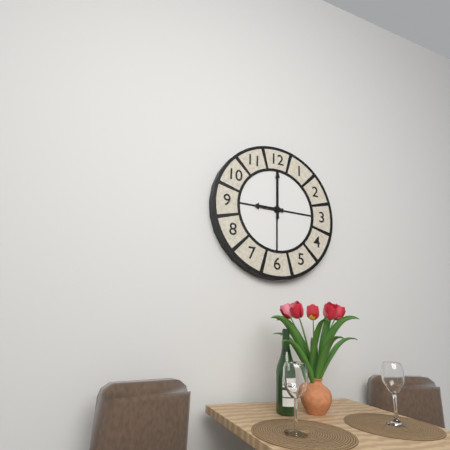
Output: 9h00
